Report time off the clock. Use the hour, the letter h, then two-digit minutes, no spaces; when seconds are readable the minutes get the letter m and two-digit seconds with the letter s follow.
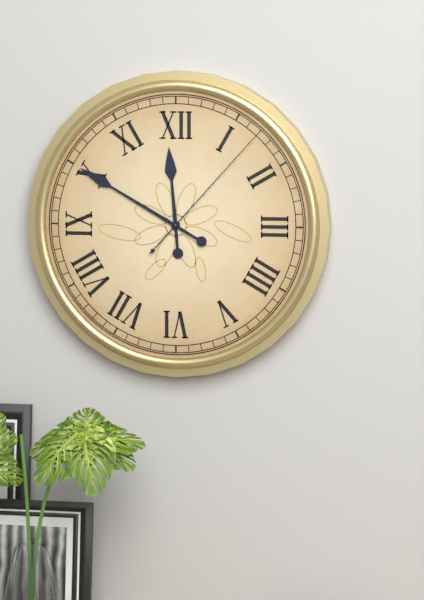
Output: 11h50m07s
